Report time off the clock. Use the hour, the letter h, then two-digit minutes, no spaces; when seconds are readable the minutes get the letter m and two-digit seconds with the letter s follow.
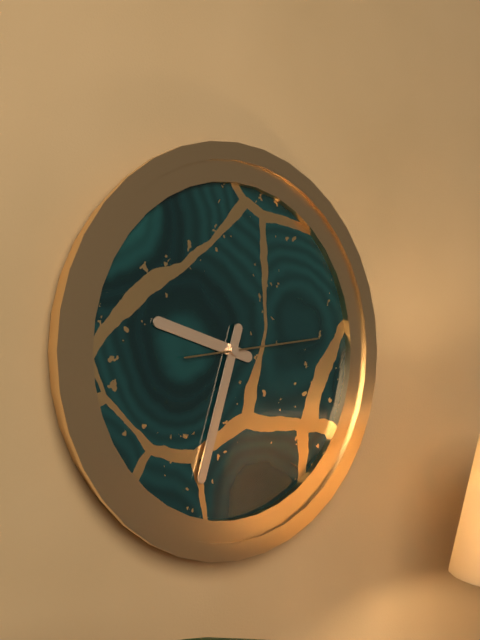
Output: 9h33m14s
